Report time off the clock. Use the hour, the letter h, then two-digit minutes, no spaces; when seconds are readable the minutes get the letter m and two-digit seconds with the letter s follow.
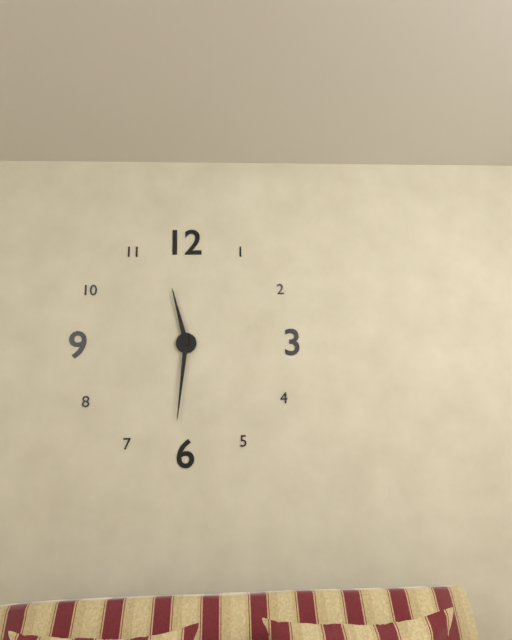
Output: 11h31
